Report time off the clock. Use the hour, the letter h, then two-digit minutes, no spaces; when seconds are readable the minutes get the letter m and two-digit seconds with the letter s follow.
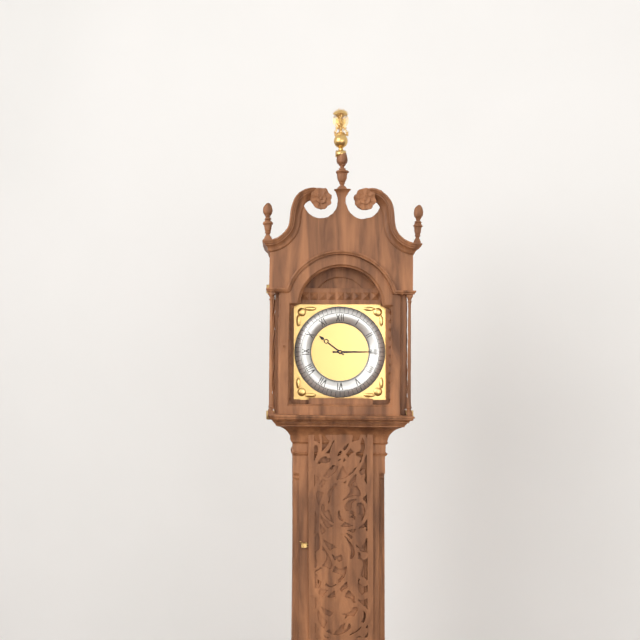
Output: 10h15
